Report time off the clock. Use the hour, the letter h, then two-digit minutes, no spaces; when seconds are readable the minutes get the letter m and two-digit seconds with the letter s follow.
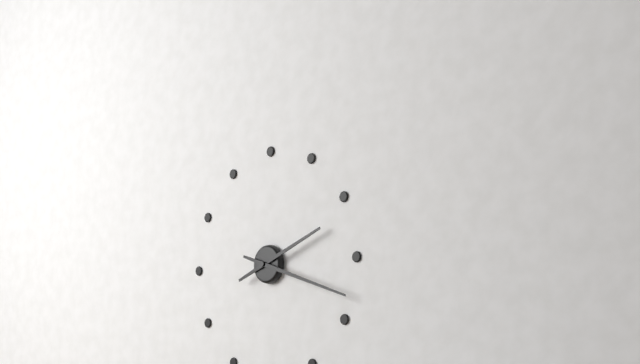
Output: 2h18
